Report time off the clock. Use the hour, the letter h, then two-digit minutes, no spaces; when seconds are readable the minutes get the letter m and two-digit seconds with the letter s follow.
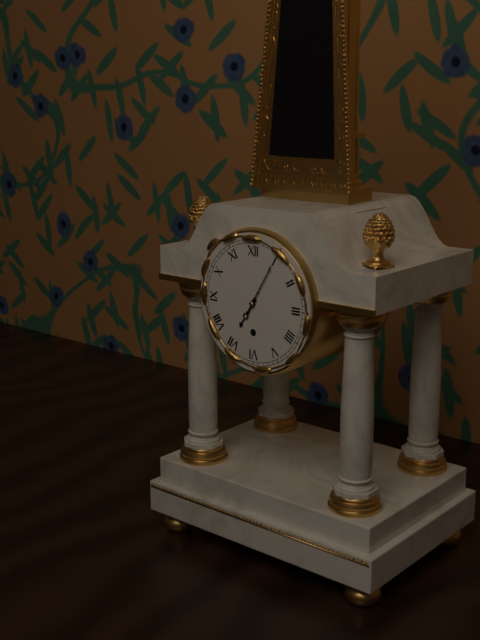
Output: 7h05
